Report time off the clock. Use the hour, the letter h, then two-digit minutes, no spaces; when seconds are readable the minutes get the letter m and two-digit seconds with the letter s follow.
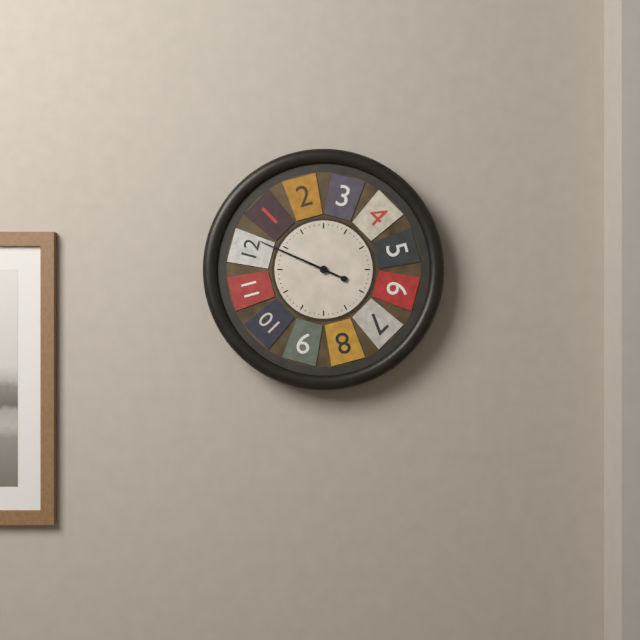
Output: 9h49
